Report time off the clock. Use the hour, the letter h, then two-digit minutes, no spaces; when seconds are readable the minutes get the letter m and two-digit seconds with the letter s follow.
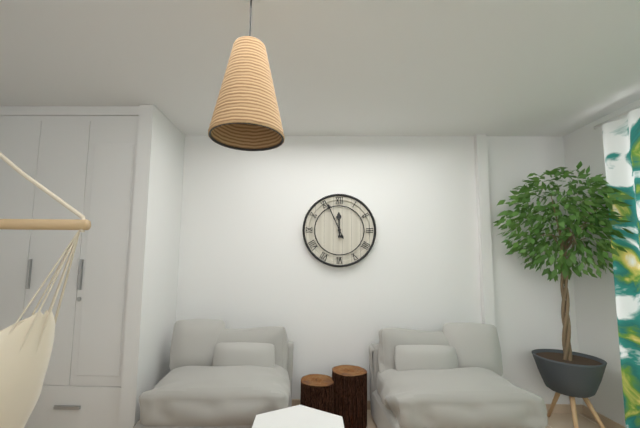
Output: 11h56
